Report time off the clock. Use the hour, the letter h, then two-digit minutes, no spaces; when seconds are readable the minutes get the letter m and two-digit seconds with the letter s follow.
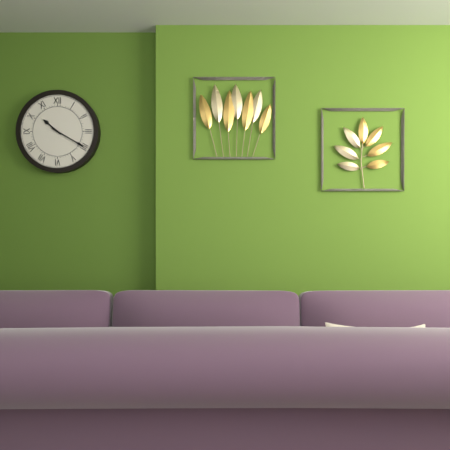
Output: 10h20
